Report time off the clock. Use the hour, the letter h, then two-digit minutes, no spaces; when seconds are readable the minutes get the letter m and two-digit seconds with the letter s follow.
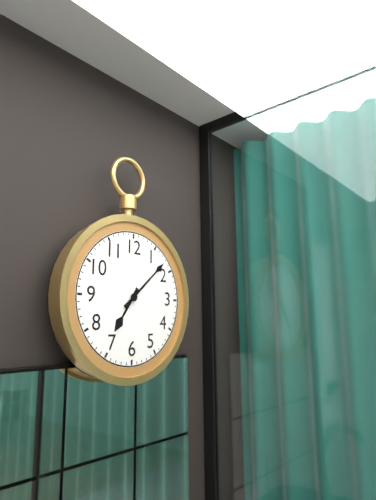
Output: 7h08
